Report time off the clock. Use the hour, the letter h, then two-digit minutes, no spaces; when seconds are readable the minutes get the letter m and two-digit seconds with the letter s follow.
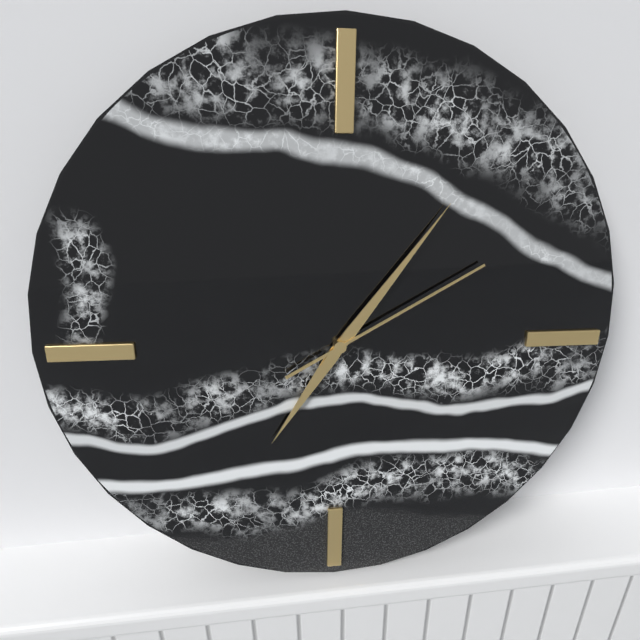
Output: 7h06m10s
